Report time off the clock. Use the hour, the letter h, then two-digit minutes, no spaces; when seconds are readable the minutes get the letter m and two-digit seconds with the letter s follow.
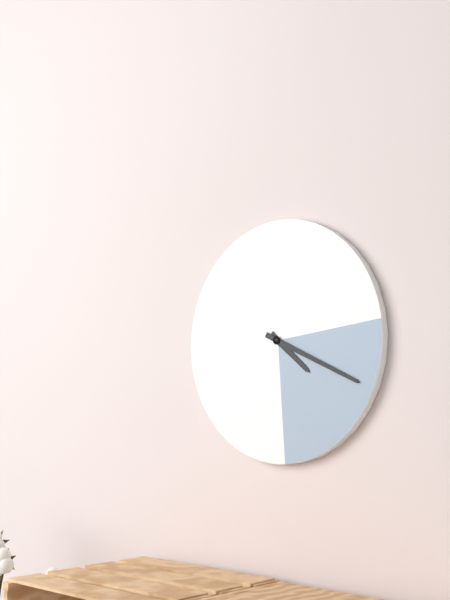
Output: 4h19
